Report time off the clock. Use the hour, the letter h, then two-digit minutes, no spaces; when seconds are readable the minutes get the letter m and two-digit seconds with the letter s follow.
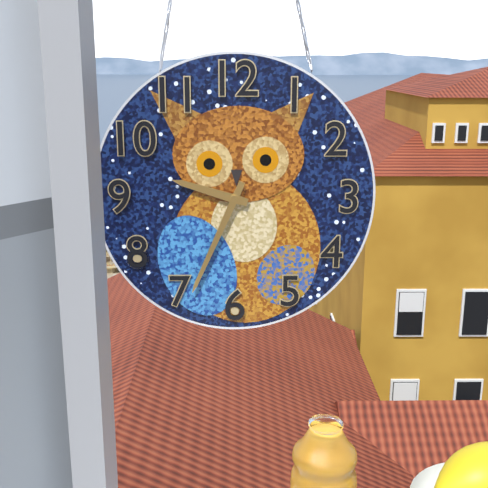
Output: 9h34
